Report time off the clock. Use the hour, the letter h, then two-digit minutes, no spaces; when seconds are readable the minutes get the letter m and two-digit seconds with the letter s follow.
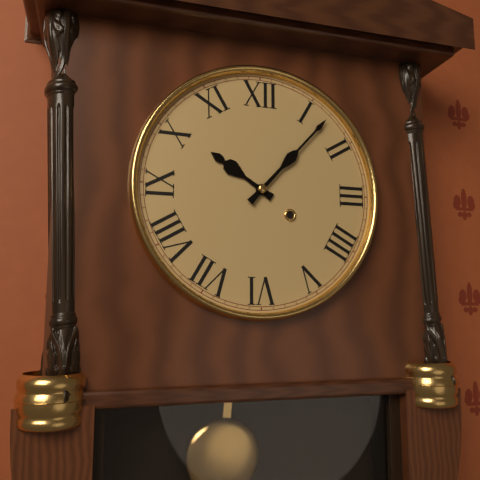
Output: 10h07
